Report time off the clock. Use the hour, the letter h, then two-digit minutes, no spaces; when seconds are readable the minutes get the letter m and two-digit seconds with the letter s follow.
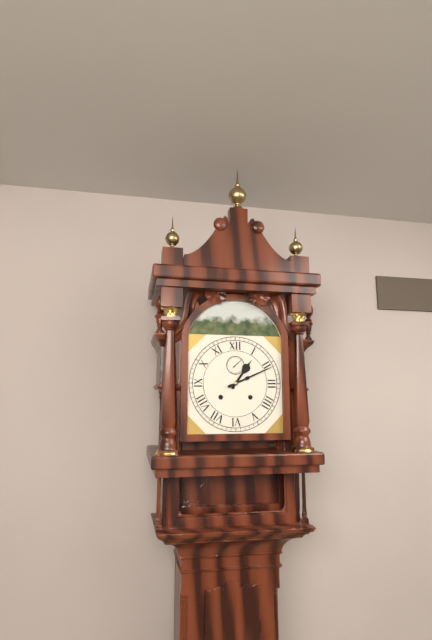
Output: 1h11
